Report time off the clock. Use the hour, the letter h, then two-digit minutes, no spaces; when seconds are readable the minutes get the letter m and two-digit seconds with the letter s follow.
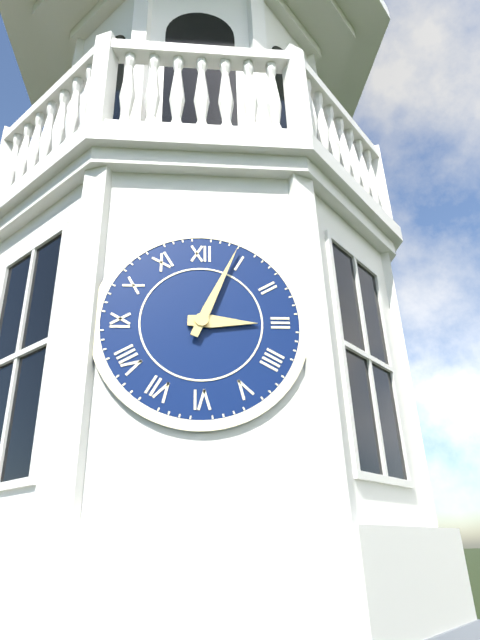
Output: 3h04
